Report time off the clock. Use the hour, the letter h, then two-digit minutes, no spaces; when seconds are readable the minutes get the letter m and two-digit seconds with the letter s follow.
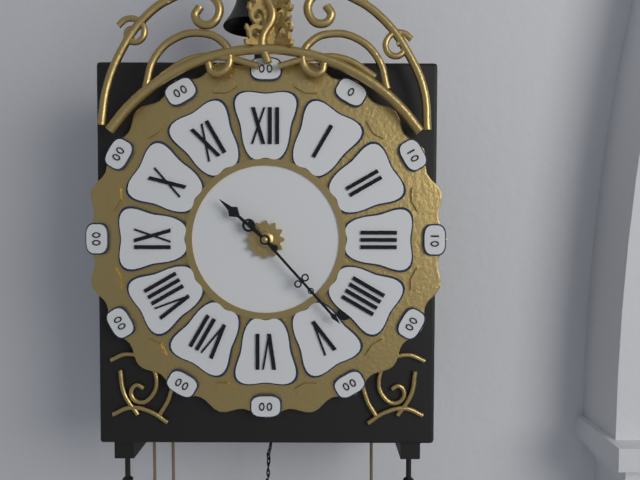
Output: 10h23
